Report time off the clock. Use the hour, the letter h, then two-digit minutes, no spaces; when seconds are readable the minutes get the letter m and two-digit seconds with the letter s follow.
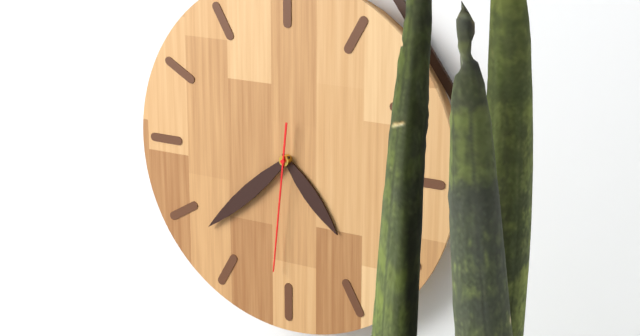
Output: 4h38m31s
